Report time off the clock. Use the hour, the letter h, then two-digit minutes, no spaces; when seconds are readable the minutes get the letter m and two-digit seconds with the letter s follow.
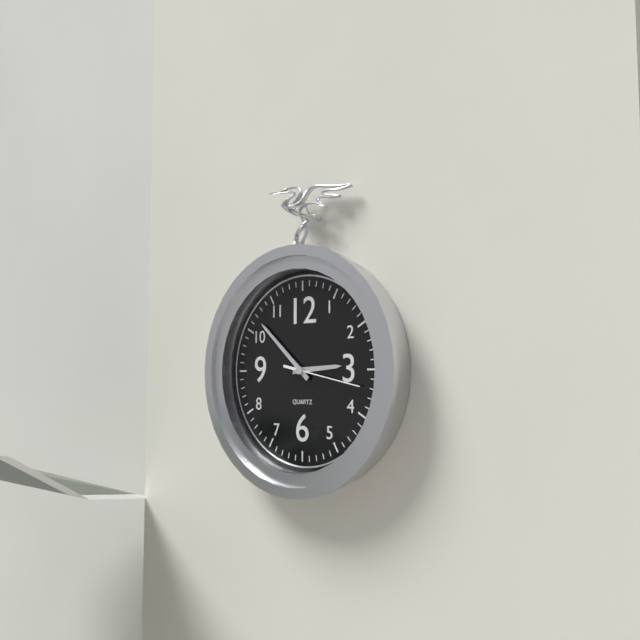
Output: 2h52m17s
